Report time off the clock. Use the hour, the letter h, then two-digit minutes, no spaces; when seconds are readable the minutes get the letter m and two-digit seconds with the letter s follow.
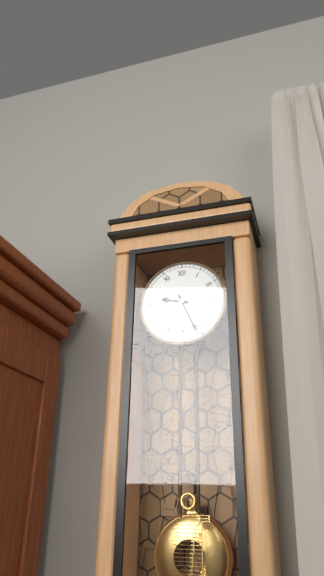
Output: 9h26
